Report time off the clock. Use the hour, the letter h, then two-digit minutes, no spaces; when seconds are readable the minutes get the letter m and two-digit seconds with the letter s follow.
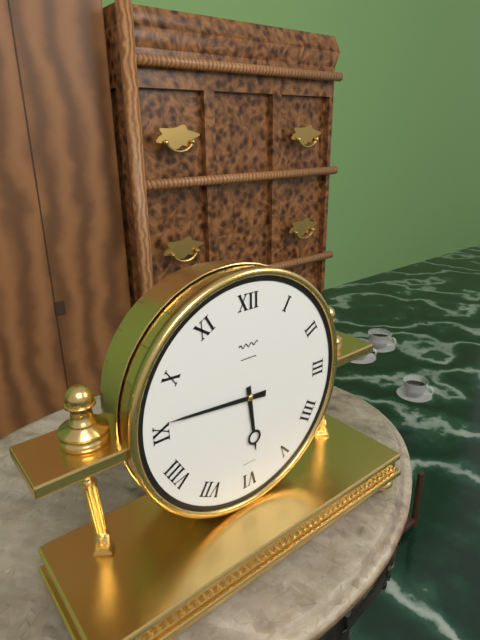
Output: 5h46
